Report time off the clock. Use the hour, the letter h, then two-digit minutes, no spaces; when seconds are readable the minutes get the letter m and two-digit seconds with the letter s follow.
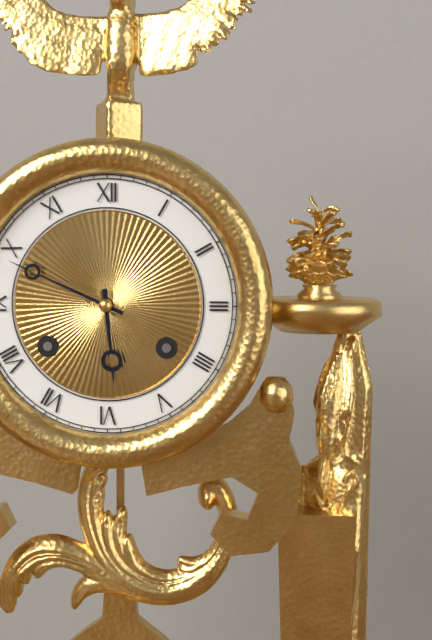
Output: 5h49
